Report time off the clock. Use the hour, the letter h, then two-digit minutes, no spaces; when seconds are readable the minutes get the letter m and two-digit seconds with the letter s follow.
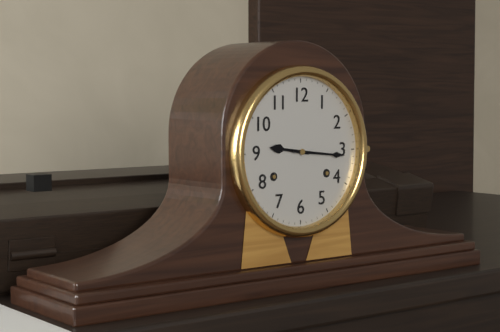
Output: 9h16
